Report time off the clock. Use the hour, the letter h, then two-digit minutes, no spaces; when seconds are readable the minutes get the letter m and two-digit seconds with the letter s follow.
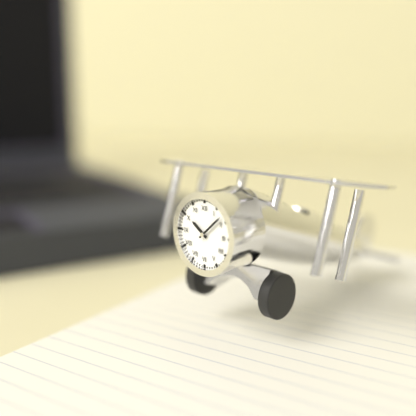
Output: 10h08
